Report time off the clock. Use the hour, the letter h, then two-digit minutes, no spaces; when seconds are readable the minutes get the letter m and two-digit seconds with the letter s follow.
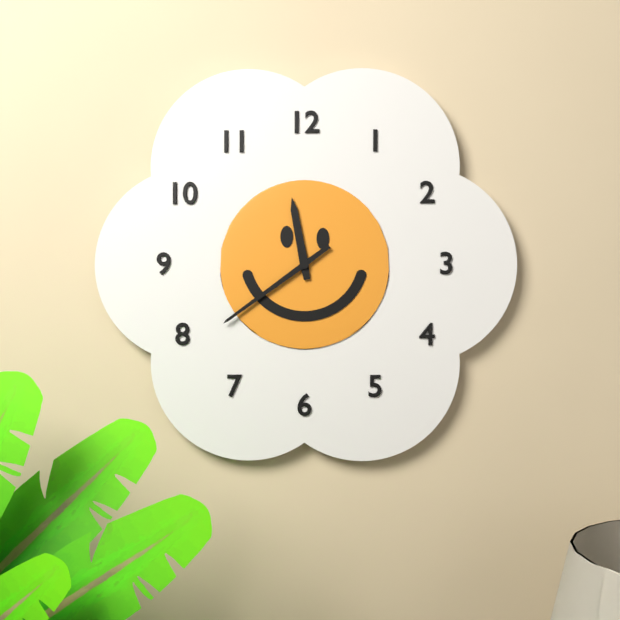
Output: 11h39
